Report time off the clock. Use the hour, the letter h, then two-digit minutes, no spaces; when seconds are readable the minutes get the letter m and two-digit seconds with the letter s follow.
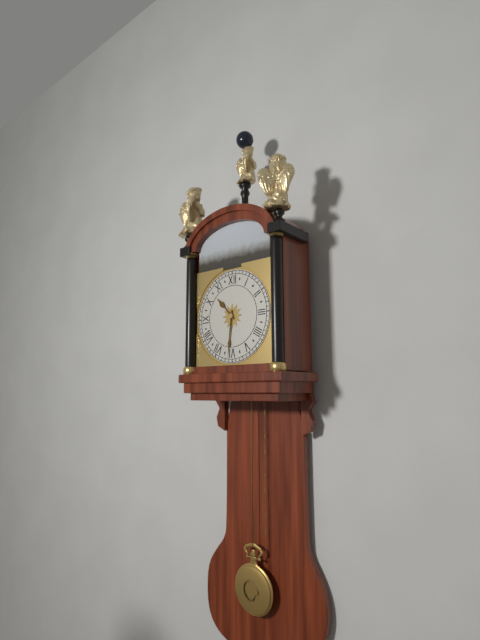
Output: 10h31
